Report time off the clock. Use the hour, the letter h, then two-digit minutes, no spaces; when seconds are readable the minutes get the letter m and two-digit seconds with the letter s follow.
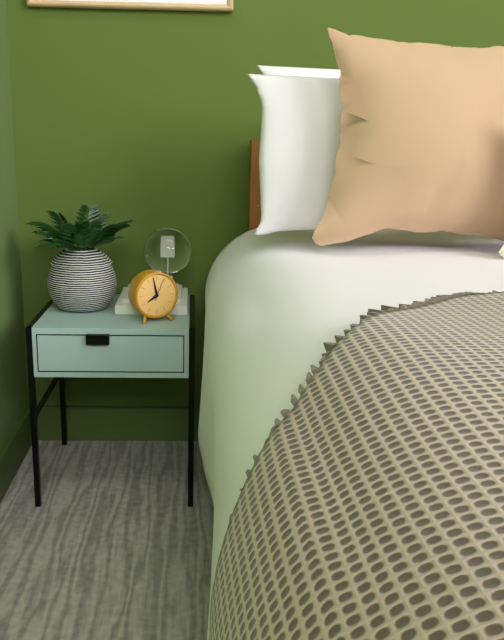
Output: 7h58
